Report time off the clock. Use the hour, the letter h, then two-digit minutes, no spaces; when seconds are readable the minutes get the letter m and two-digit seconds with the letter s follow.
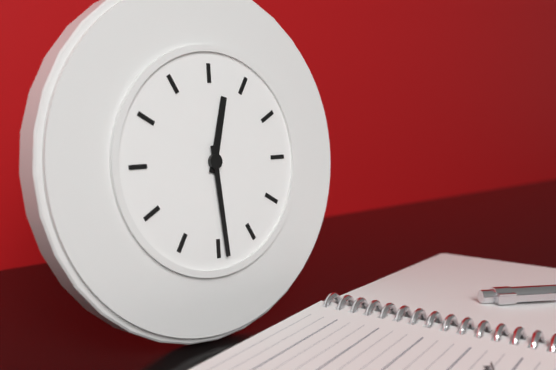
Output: 12h29
